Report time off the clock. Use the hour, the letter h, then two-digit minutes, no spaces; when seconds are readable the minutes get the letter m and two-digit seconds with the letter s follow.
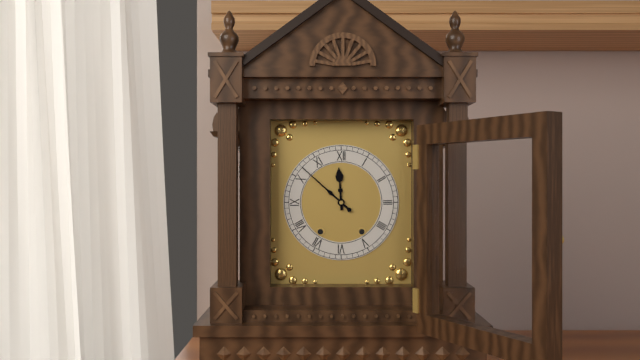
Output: 11h52
